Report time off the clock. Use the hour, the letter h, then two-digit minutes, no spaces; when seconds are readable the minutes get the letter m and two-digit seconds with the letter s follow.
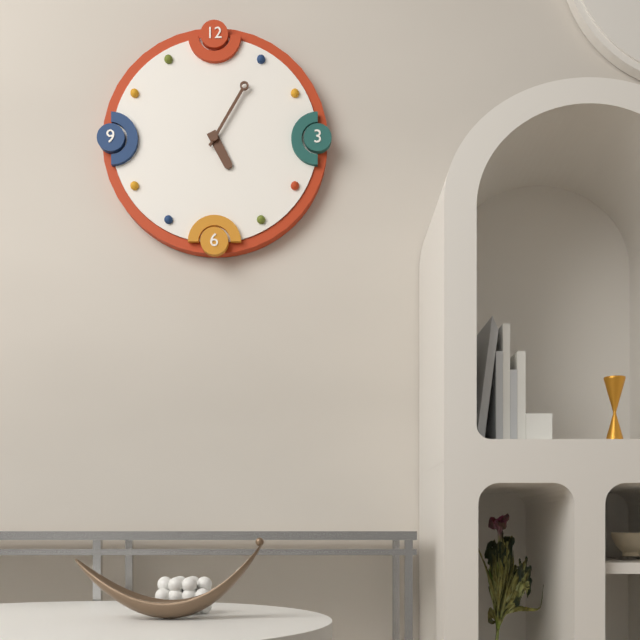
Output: 5h05
